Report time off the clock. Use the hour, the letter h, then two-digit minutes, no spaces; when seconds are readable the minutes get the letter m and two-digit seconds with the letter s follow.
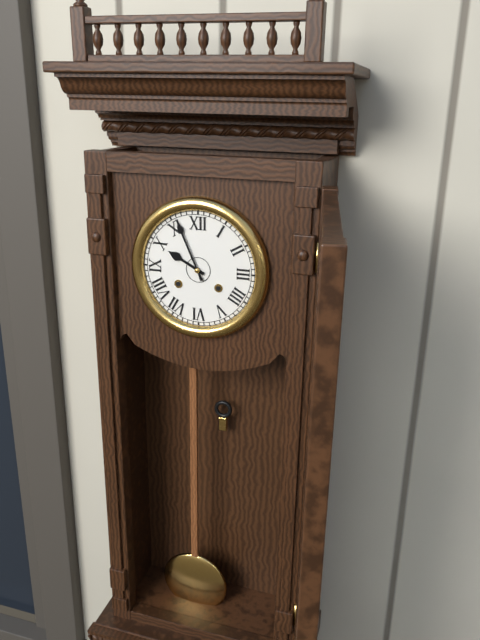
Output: 9h56
